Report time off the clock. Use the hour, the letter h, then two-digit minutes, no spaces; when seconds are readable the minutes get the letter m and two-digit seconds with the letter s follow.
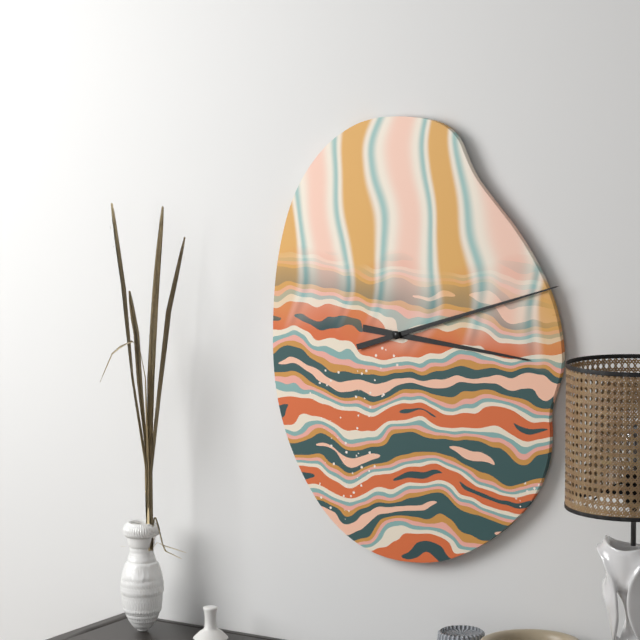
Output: 3h12
